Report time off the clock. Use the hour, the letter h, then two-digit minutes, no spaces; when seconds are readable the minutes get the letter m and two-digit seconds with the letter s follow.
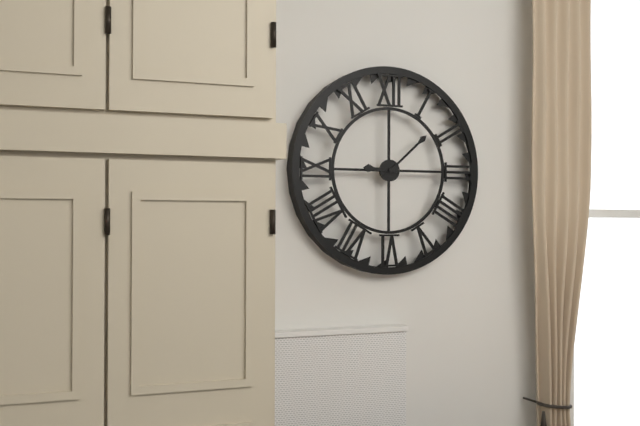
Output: 9h08
